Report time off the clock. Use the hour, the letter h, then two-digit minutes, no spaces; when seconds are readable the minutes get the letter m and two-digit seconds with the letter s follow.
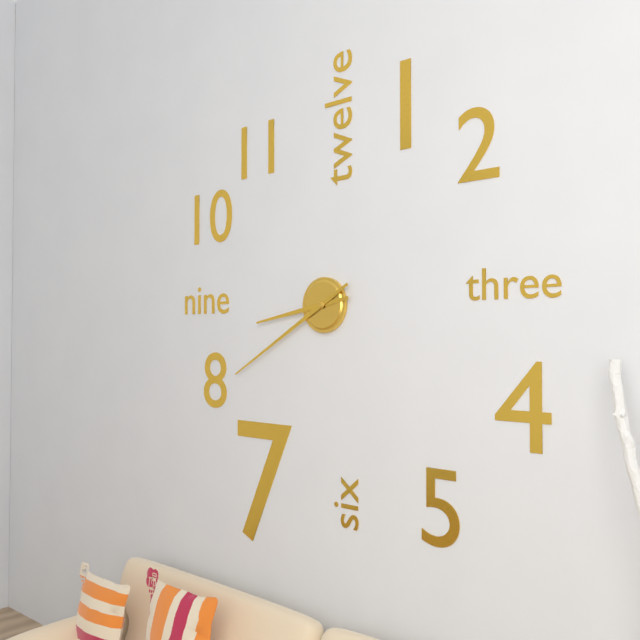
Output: 8h40
